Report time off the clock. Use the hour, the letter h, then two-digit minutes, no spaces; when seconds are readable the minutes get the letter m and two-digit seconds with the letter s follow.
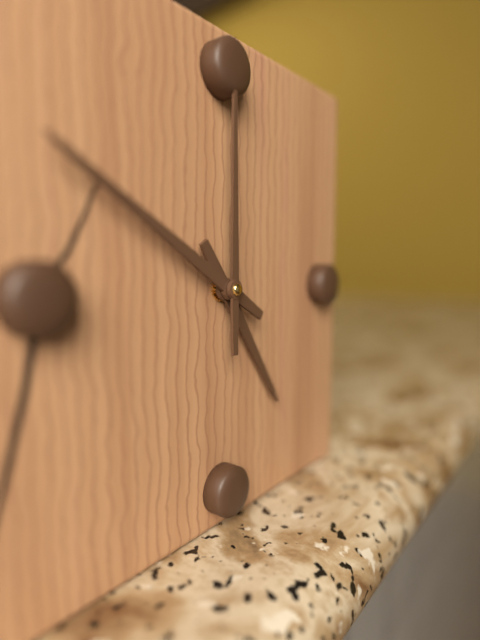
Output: 4h50m00s
